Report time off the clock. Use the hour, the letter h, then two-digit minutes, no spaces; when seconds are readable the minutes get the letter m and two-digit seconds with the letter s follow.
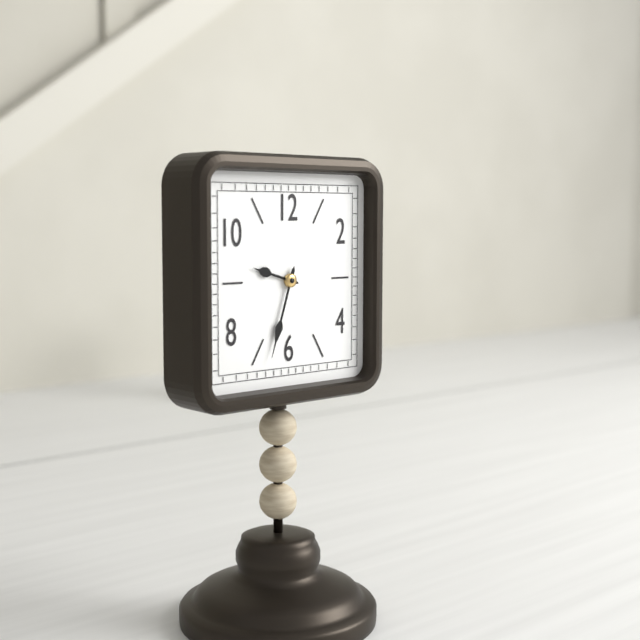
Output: 9h33
